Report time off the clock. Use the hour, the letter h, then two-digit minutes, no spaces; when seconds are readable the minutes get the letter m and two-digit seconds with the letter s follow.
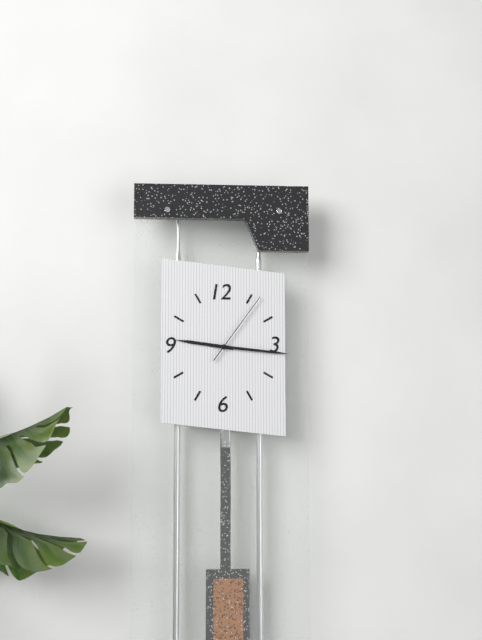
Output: 9h16m06s
